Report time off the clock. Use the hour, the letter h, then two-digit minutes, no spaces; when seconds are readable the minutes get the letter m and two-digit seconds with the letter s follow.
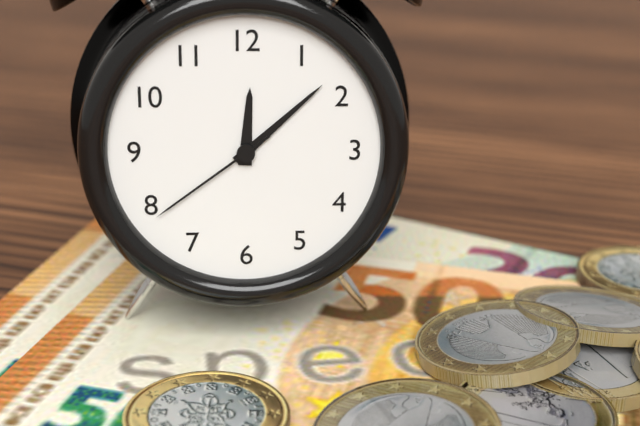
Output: 12h08m39s
